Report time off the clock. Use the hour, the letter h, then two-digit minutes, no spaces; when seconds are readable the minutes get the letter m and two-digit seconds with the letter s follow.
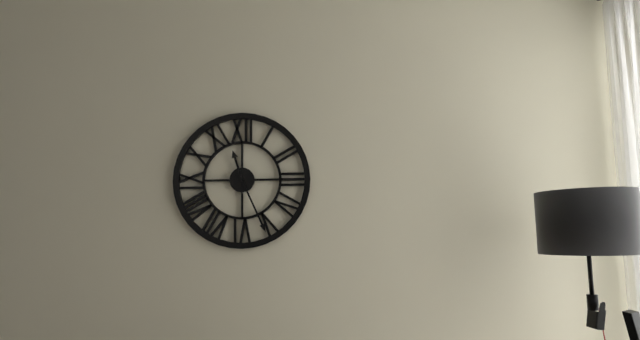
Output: 11h26
